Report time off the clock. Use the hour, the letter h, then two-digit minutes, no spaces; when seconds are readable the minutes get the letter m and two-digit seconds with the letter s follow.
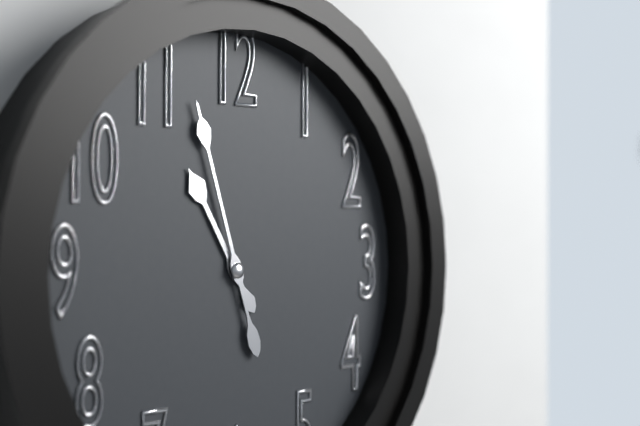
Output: 10h57
